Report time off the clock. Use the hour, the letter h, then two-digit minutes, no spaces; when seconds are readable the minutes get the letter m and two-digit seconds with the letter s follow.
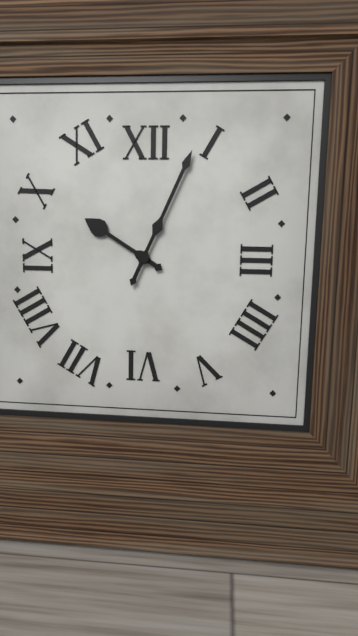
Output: 10h04
